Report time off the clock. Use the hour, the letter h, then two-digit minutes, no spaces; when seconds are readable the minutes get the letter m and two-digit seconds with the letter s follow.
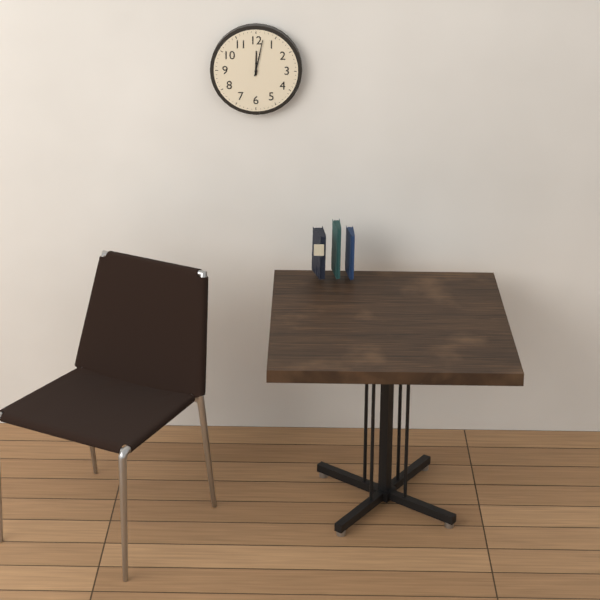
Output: 12h02
